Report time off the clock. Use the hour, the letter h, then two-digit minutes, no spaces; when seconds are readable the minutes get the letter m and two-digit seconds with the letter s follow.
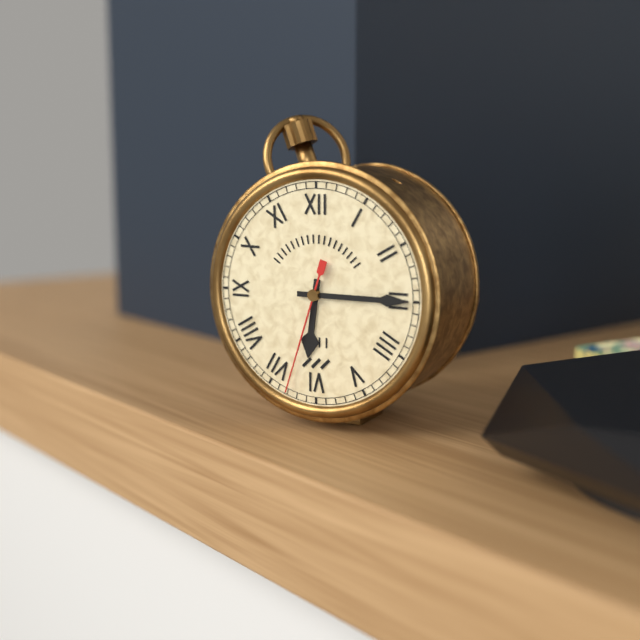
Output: 6h15m33s
